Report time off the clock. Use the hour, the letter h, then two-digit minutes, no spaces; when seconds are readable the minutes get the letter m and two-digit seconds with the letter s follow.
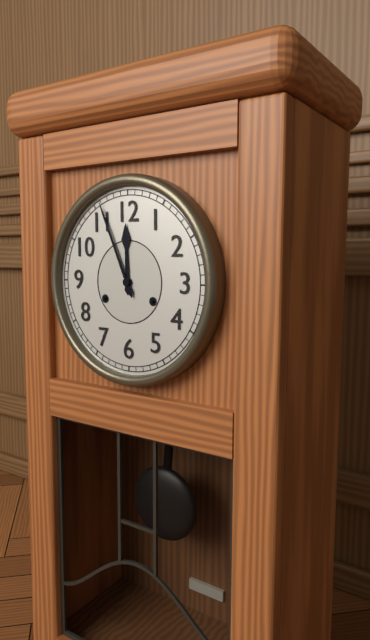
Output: 11h56
